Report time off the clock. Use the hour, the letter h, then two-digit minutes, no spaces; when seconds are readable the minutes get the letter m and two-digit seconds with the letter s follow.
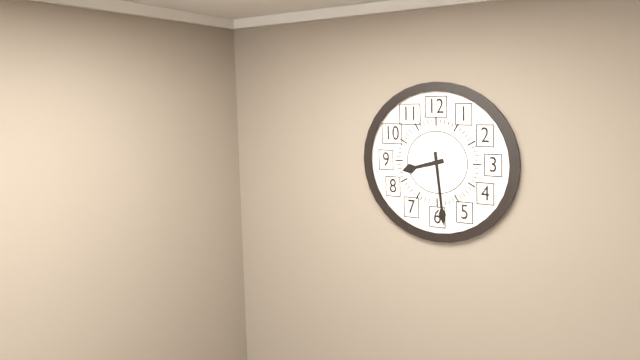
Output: 8h29
